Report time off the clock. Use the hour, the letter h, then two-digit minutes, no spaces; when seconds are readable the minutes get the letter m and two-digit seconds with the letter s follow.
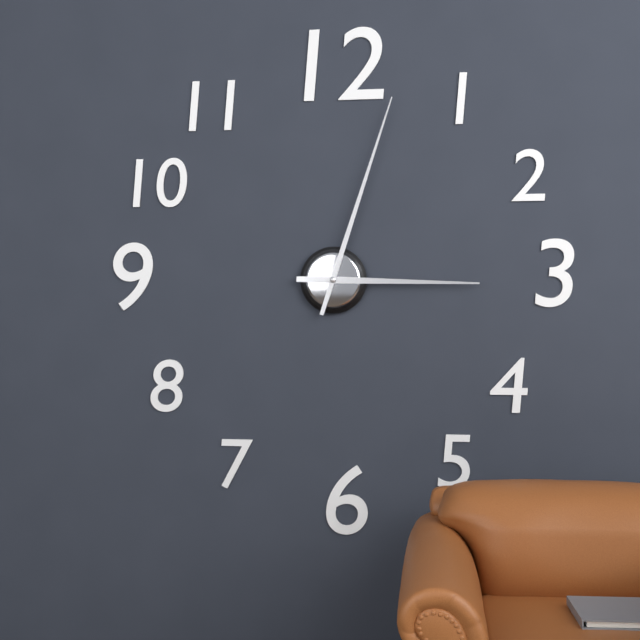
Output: 3h03
